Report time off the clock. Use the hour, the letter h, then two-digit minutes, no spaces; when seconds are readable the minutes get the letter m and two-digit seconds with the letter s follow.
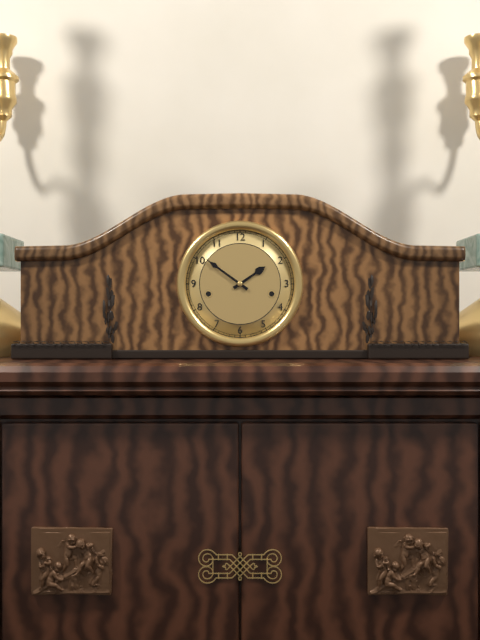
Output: 1h51
